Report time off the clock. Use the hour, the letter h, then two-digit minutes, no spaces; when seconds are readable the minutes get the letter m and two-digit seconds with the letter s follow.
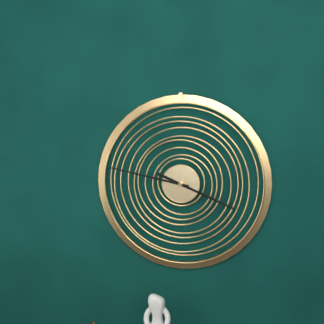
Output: 3h47
